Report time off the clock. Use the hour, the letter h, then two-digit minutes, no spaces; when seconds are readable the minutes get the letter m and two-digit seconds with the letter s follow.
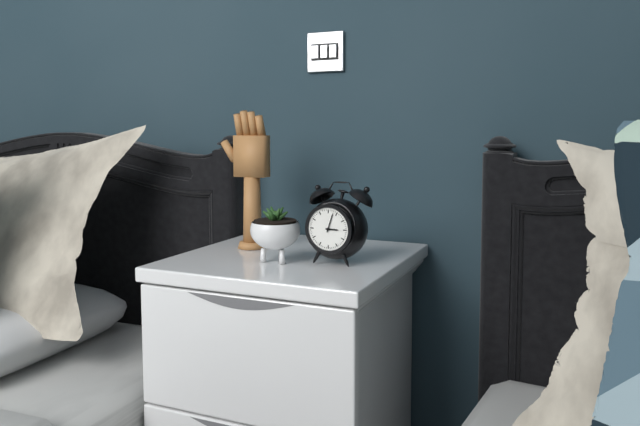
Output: 3h03
